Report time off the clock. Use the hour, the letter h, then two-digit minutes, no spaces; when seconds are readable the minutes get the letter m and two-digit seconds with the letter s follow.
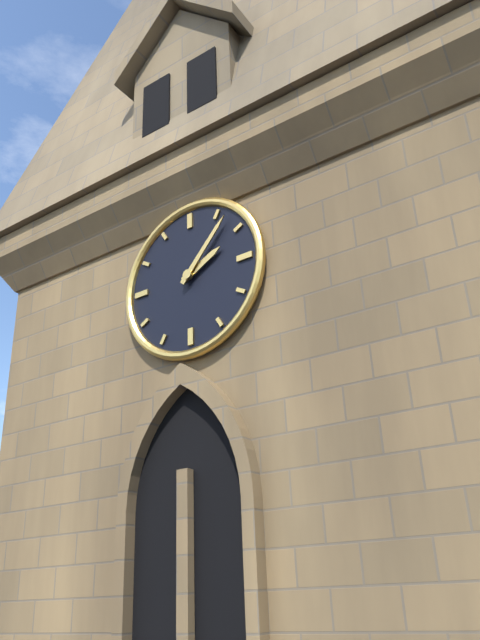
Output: 2h07
